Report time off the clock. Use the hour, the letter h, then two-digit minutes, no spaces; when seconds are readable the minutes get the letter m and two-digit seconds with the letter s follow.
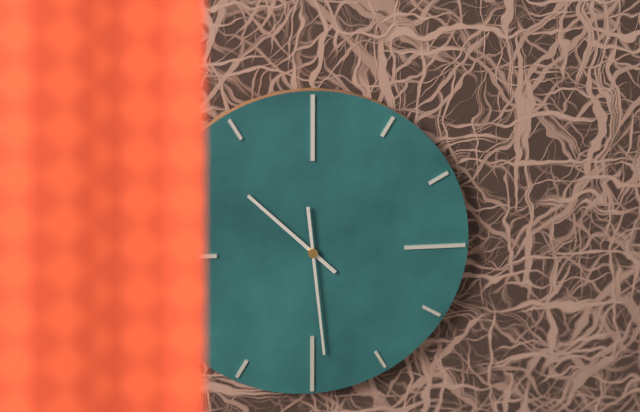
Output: 10h29
